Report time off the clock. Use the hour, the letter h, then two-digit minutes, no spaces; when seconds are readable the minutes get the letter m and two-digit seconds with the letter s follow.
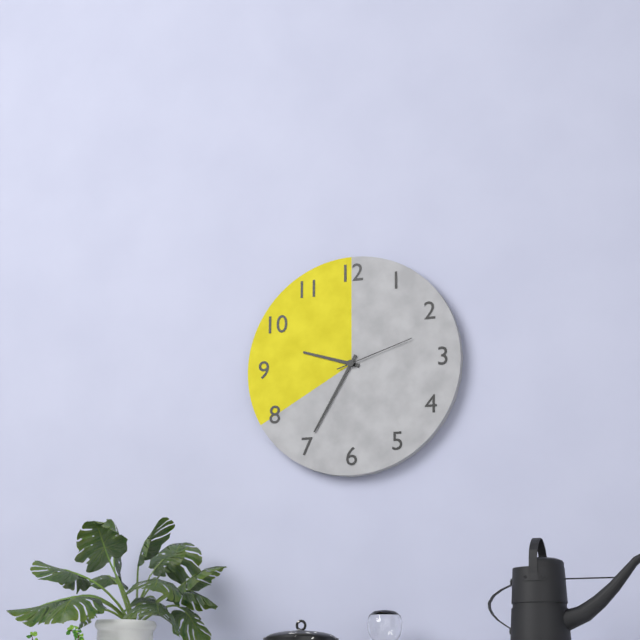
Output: 9h35m12s
